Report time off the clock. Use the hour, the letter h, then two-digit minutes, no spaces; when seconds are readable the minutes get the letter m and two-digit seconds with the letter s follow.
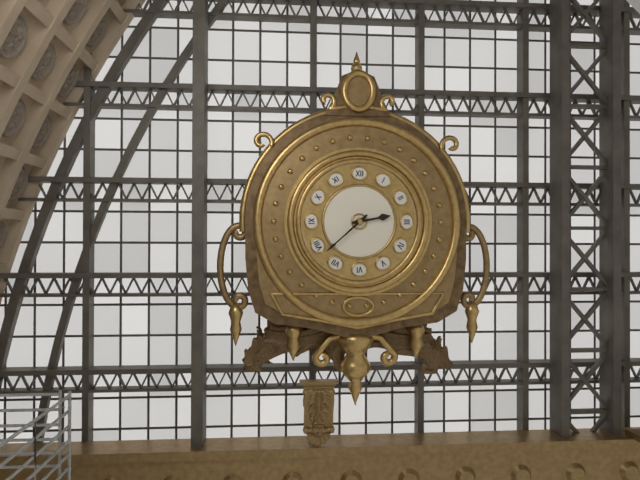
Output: 2h38
